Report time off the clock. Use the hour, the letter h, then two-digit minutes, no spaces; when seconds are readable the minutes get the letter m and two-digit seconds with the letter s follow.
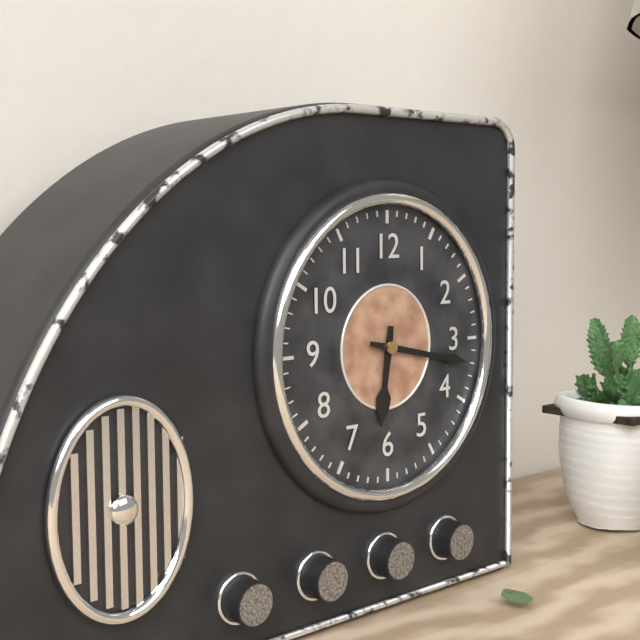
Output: 6h17
